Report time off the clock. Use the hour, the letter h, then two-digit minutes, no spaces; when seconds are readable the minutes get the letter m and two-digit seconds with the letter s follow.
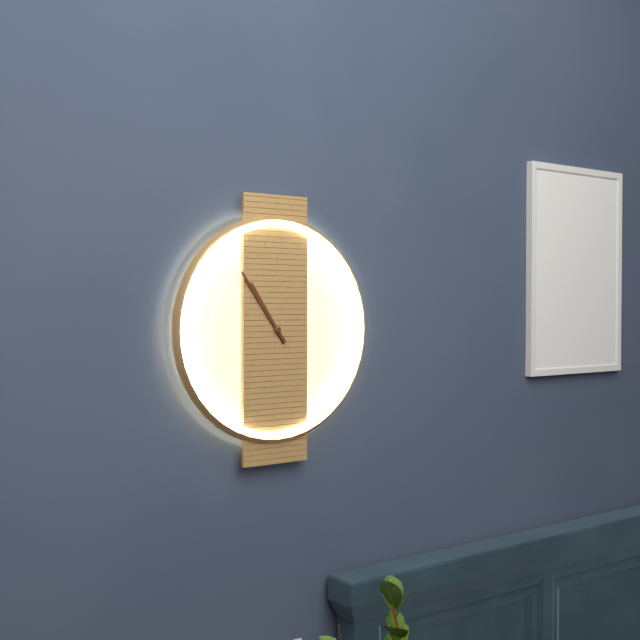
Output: 10h54
